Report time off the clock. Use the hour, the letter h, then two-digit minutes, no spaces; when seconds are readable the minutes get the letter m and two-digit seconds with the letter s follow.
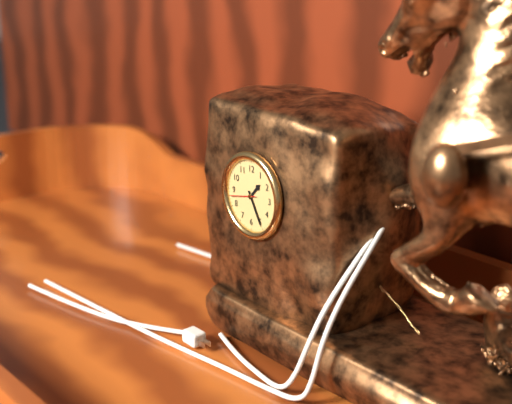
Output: 1h25
